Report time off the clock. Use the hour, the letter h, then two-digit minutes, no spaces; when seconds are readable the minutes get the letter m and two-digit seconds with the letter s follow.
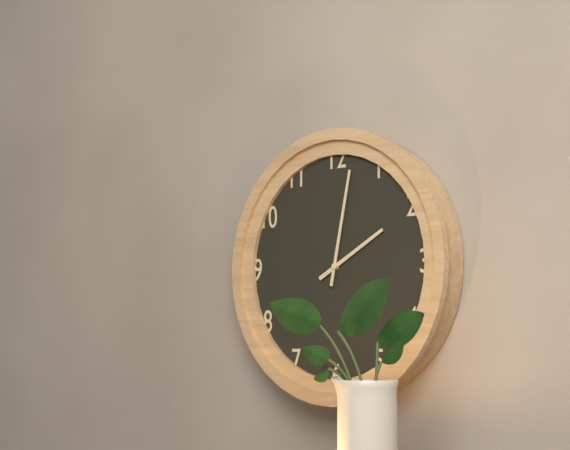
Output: 2h02
